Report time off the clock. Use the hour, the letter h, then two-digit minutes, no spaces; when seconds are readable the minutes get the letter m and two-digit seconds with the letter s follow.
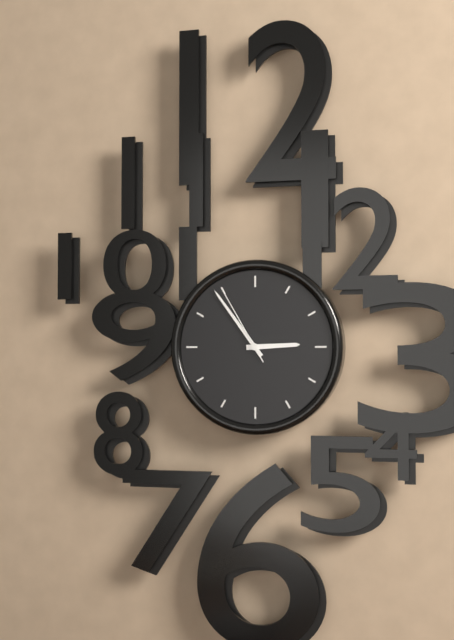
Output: 2h54m55s
